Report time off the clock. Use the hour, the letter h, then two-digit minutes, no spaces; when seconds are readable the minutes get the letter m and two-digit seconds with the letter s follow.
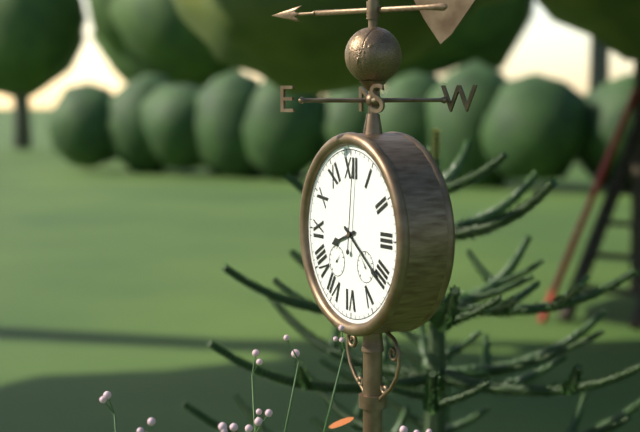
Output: 8h21m01s
